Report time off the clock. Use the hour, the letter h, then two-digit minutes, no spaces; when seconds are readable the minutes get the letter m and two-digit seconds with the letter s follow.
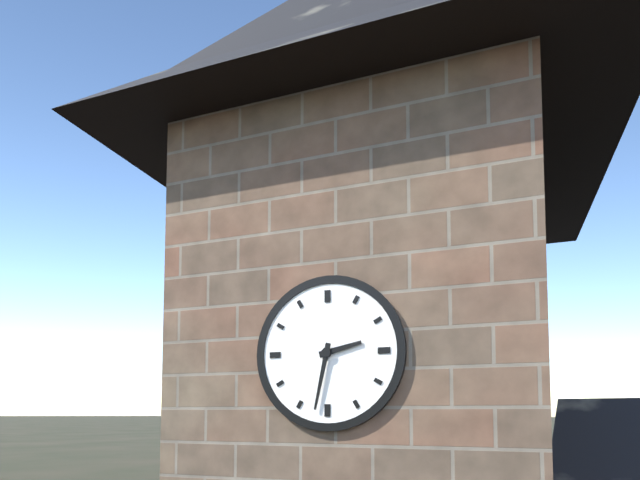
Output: 2h32
